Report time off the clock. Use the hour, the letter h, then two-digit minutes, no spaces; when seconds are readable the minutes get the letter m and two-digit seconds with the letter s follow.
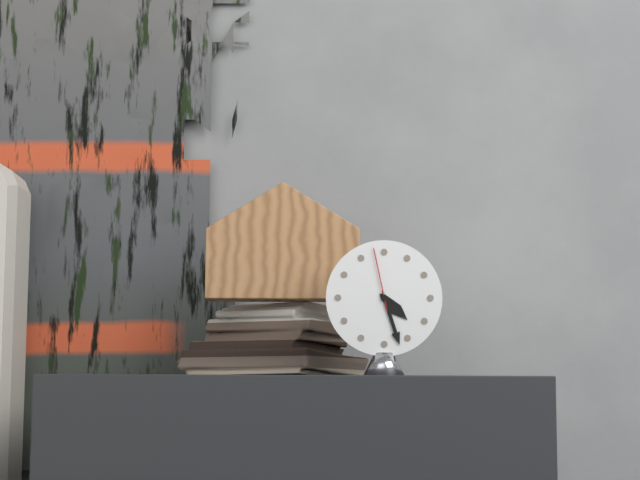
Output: 4h27m58s
